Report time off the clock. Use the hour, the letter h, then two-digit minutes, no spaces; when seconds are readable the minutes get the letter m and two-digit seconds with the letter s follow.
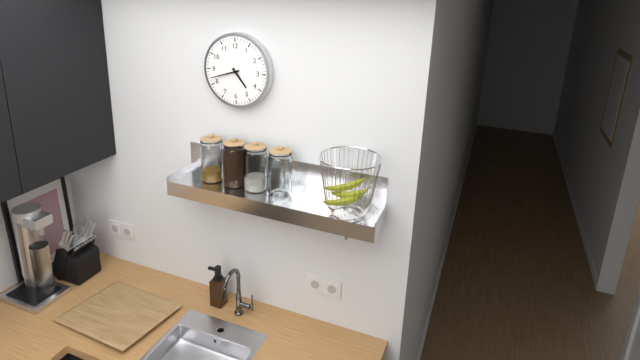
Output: 4h42
